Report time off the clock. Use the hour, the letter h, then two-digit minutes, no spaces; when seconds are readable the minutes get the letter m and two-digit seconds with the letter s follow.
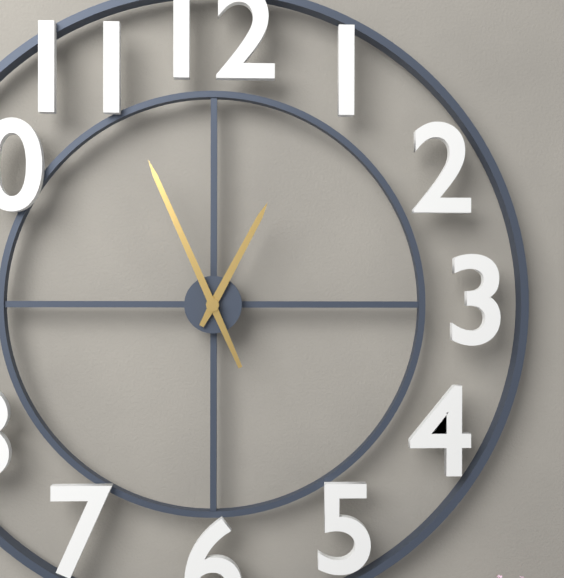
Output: 12h56
